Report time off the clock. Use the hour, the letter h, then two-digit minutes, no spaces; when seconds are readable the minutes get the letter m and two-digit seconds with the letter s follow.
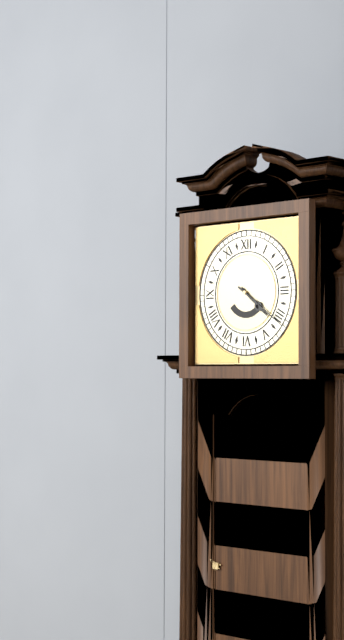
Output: 4h21
